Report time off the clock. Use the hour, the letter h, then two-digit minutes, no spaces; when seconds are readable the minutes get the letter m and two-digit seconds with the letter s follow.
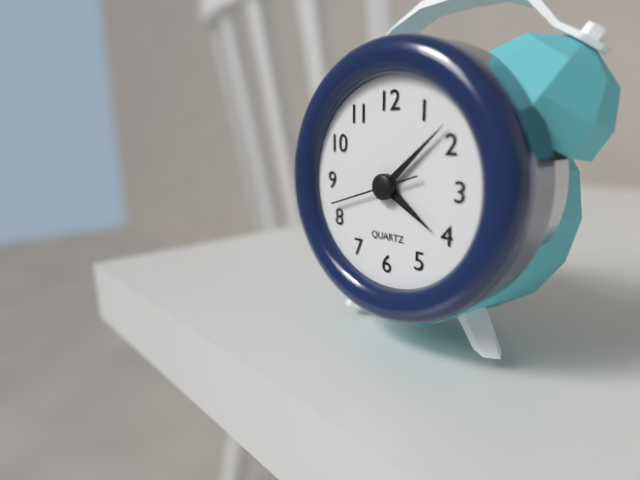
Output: 4h08m42s
